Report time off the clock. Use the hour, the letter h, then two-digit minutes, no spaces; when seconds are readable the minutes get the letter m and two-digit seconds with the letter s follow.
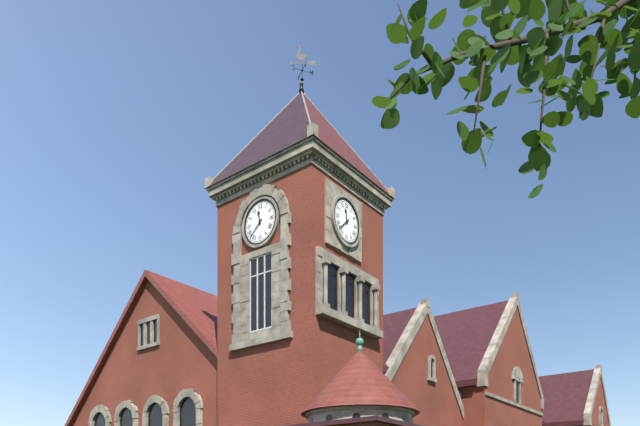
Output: 11h38
